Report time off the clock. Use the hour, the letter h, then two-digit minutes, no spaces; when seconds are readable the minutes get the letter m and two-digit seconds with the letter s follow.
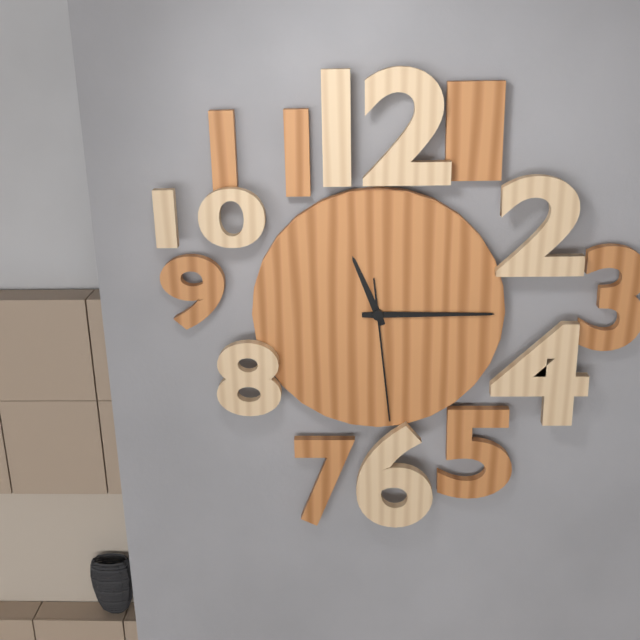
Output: 11h15m29s
